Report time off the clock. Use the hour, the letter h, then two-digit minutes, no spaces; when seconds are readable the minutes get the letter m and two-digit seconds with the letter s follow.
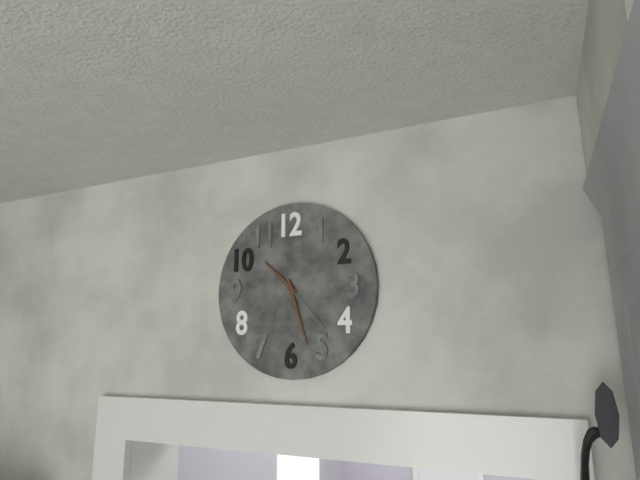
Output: 10h27m23s
